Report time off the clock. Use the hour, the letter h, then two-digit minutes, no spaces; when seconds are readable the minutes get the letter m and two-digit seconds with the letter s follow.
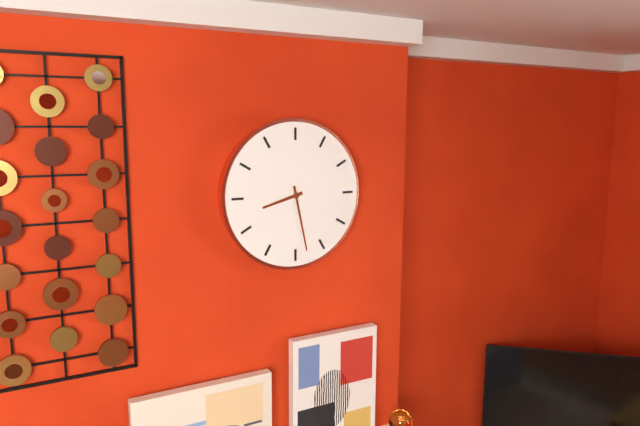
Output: 8h28
